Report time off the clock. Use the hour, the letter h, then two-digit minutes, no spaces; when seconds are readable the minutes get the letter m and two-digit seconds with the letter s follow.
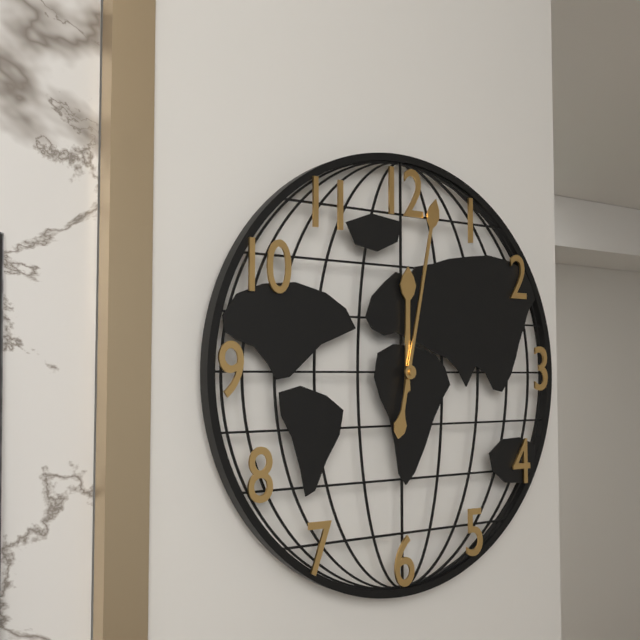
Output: 12h02
